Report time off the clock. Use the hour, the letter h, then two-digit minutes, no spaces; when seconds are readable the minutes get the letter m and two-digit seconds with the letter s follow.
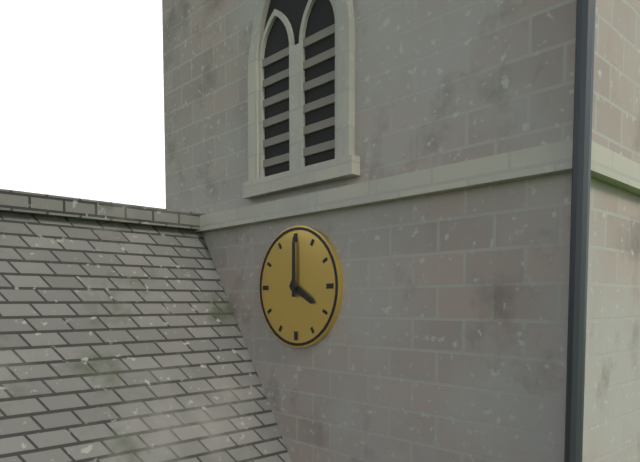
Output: 4h00
